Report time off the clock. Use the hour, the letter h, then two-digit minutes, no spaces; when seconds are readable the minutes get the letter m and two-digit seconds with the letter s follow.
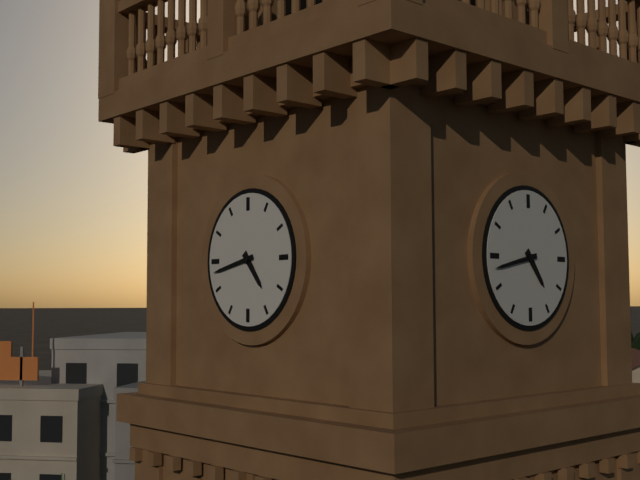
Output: 4h43
